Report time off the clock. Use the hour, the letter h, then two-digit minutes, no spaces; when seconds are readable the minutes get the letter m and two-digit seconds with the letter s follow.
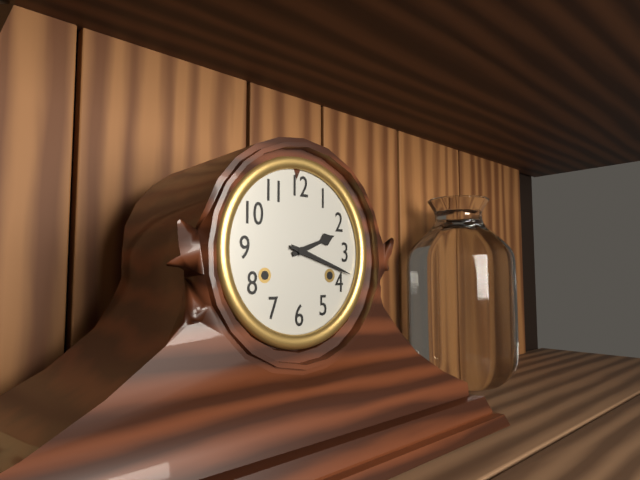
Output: 2h18
